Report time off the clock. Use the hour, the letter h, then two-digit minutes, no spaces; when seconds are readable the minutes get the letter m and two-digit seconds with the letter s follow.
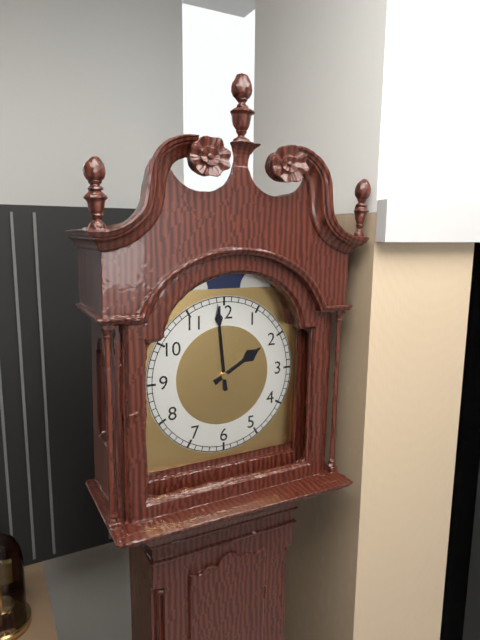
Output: 1h59
